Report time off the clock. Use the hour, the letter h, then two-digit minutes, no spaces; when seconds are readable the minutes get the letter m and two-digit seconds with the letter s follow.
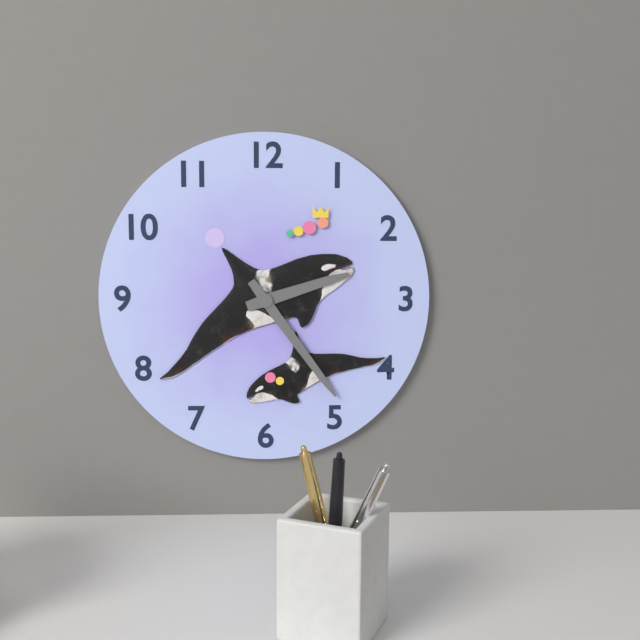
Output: 2h24
